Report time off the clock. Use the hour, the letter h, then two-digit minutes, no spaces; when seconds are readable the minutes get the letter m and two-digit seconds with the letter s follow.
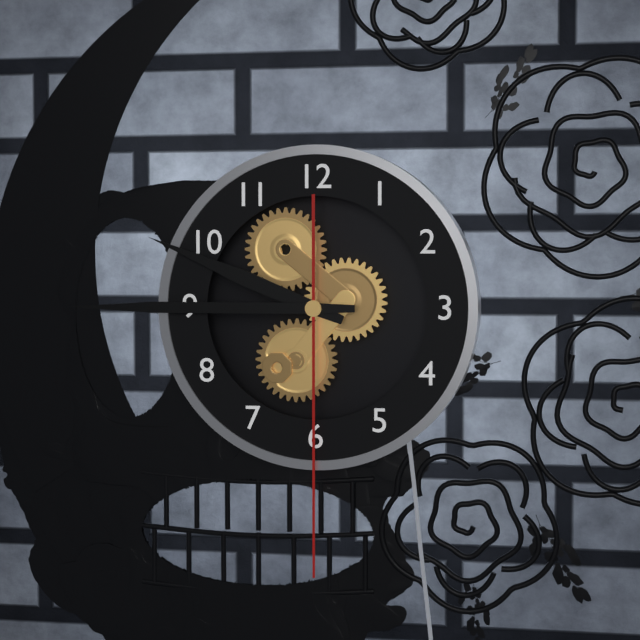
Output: 9h45m30s
